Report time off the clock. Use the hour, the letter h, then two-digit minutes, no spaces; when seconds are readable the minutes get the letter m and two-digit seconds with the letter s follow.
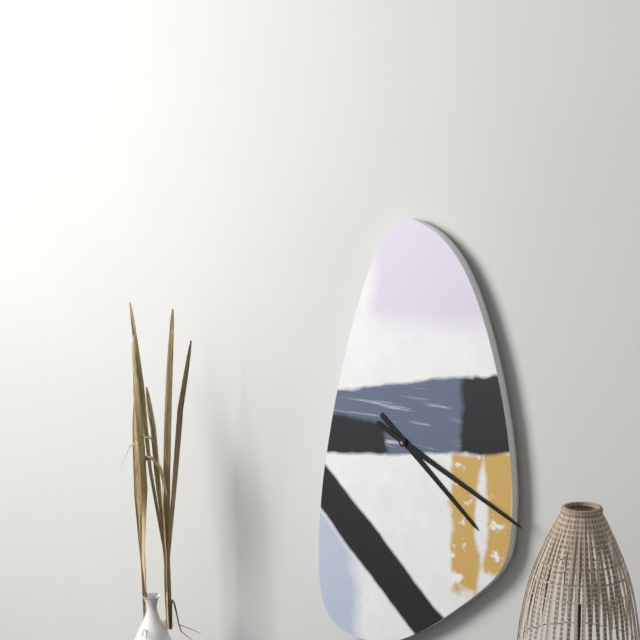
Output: 4h19
